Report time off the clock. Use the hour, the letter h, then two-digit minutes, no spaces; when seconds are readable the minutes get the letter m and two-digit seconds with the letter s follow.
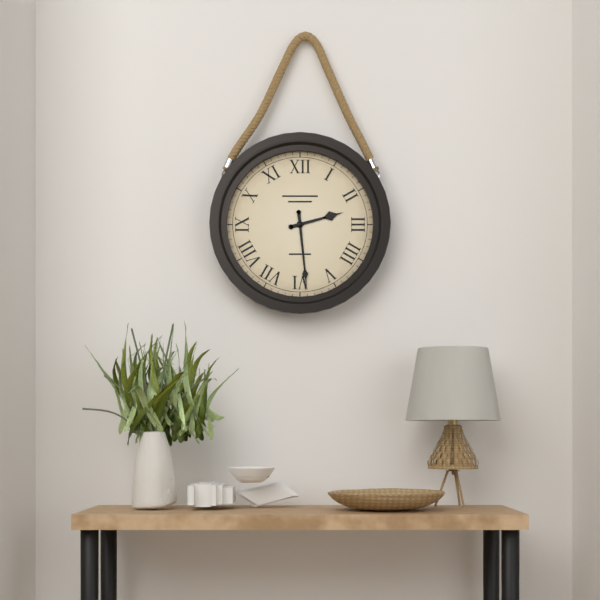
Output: 2h29
